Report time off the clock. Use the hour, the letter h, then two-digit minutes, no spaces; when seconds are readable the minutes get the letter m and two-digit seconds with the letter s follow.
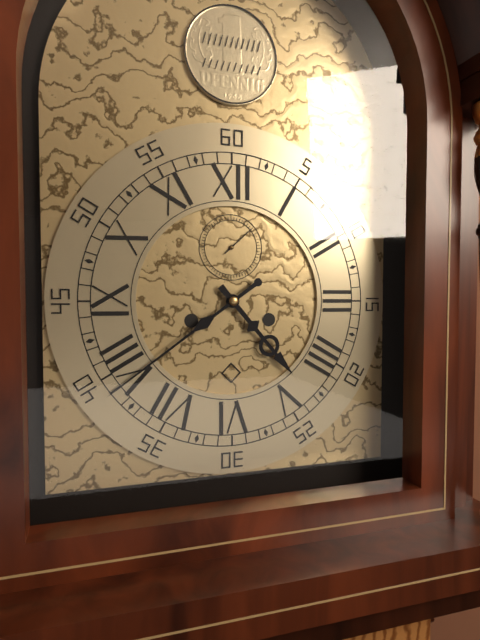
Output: 4h39
